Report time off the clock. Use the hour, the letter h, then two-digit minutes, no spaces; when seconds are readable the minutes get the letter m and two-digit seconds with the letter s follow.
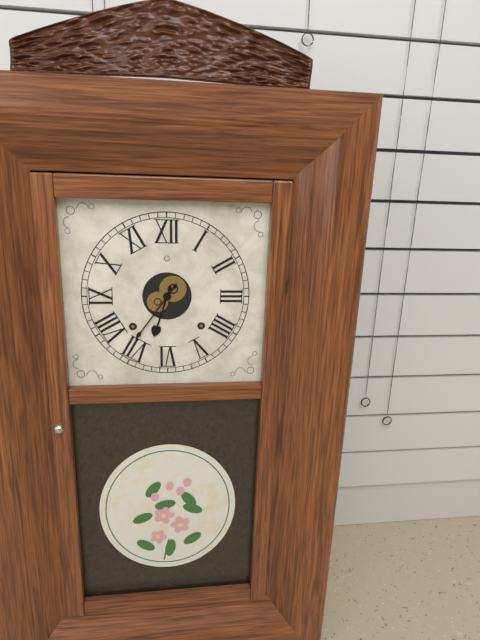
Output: 6h36
